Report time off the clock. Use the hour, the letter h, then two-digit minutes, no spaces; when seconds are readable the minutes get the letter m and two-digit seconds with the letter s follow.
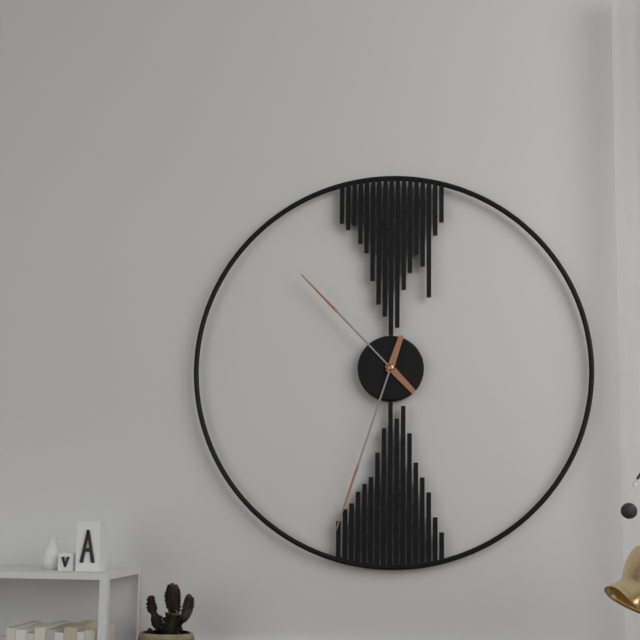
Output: 10h33
